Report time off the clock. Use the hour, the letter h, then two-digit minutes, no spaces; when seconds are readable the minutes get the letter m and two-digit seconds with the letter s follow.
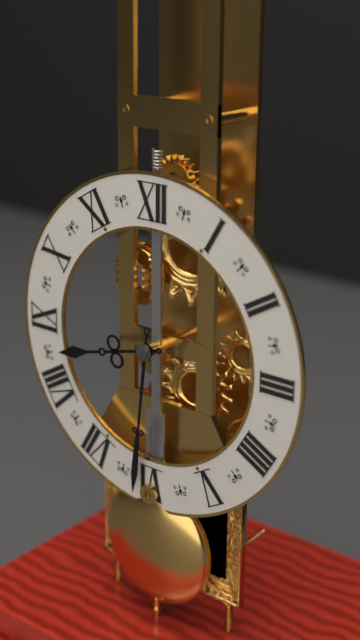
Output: 8h31
